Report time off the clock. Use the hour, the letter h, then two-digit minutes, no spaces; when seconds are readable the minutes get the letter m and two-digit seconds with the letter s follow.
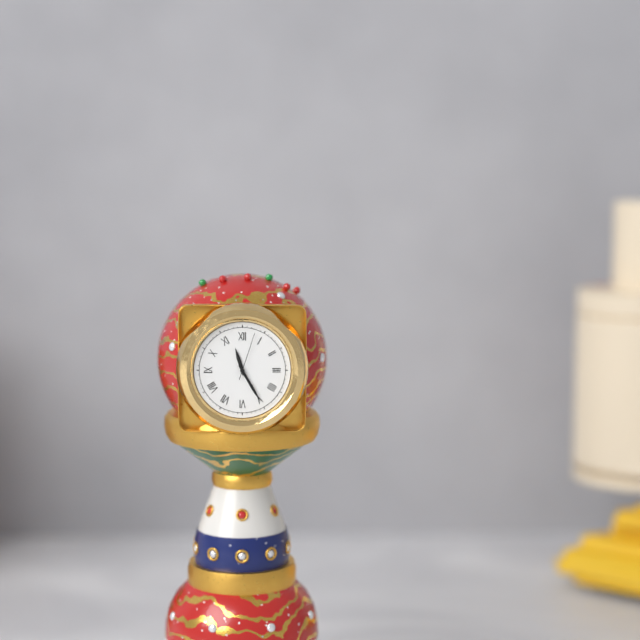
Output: 11h25
